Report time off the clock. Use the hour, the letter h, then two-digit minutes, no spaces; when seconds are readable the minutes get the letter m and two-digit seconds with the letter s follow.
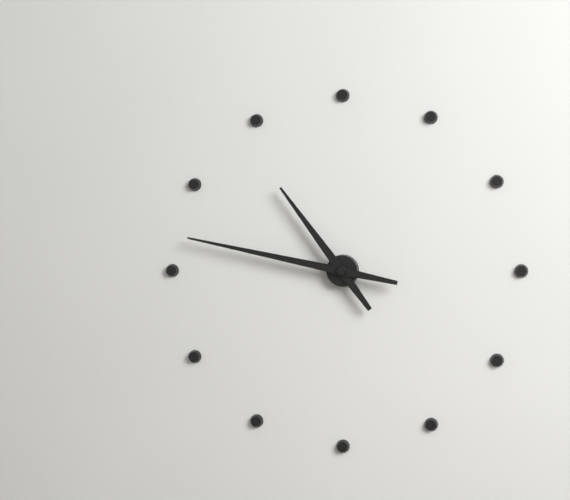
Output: 10h47
